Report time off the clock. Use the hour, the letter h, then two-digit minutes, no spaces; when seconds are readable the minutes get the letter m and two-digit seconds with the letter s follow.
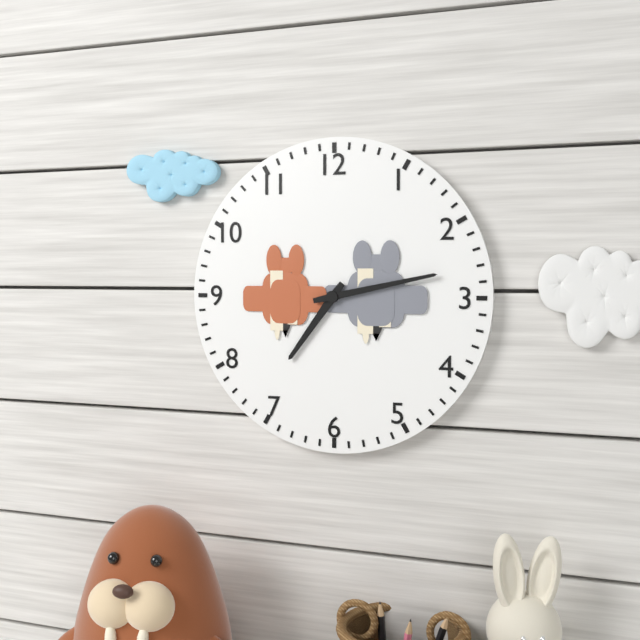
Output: 7h13
